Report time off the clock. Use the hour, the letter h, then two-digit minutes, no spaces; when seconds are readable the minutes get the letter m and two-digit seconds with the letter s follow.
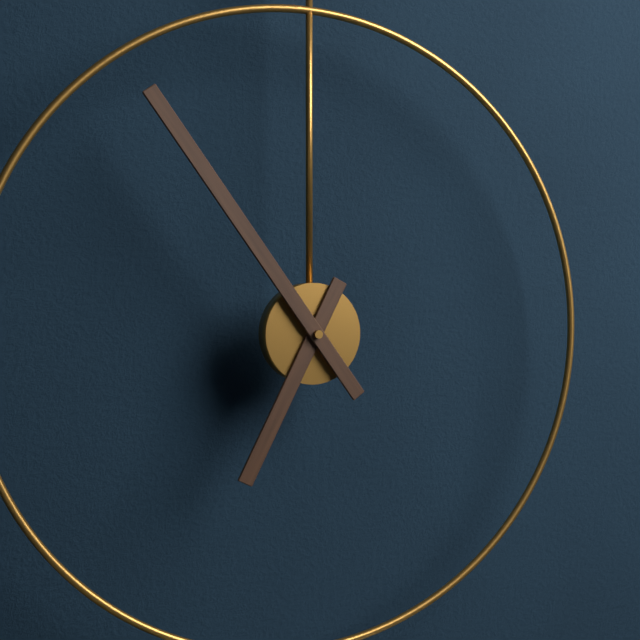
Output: 6h54
